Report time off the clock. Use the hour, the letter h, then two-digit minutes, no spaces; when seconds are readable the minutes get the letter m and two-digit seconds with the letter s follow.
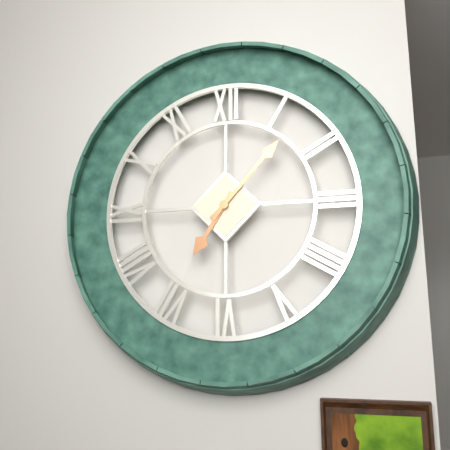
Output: 7h07
